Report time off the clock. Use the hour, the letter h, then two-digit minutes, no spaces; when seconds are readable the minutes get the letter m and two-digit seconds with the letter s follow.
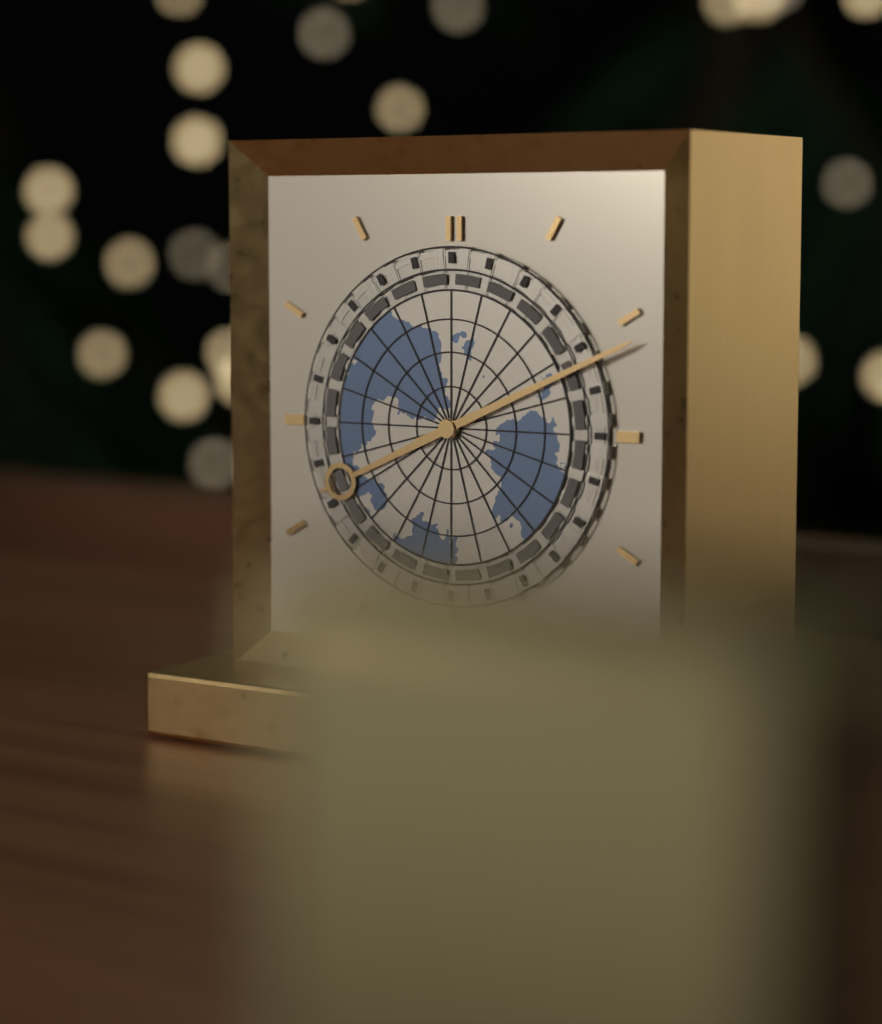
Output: 8h11
